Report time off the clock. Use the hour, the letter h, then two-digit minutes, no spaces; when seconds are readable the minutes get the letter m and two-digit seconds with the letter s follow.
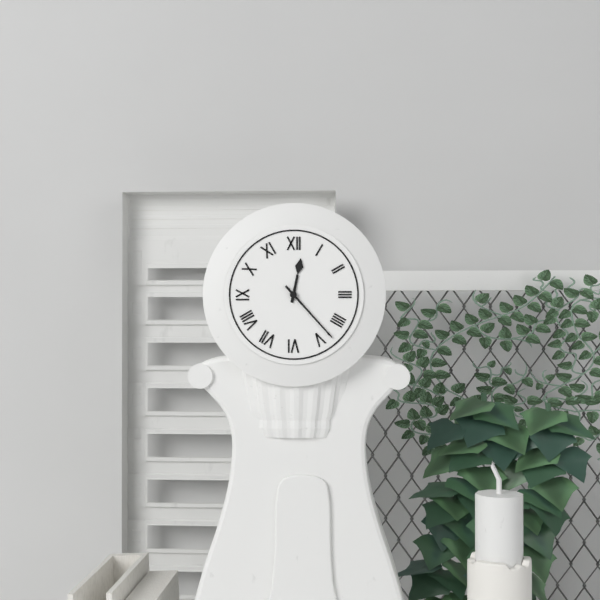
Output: 12h23
